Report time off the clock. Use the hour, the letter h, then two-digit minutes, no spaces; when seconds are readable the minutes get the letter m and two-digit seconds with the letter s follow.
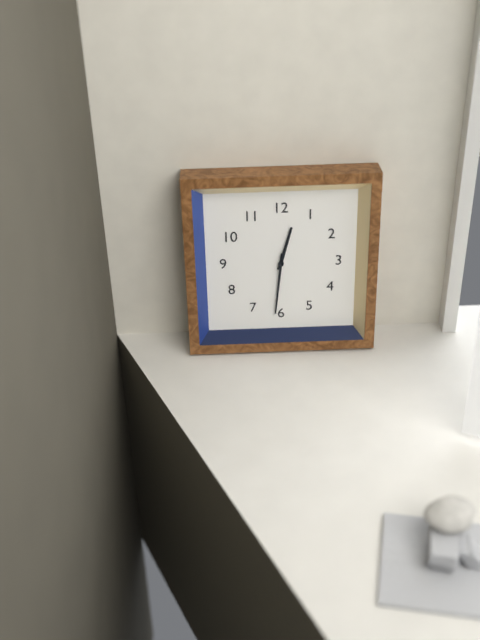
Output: 12h31
